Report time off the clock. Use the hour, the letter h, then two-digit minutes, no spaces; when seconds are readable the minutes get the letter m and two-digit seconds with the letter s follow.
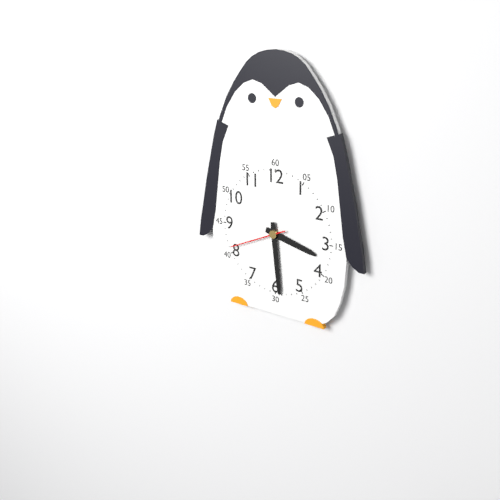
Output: 3h29m41s
